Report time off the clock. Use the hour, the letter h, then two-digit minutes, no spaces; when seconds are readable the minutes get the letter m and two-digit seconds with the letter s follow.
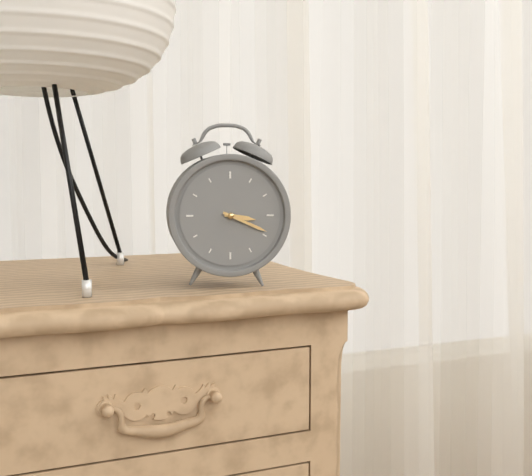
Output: 3h19
